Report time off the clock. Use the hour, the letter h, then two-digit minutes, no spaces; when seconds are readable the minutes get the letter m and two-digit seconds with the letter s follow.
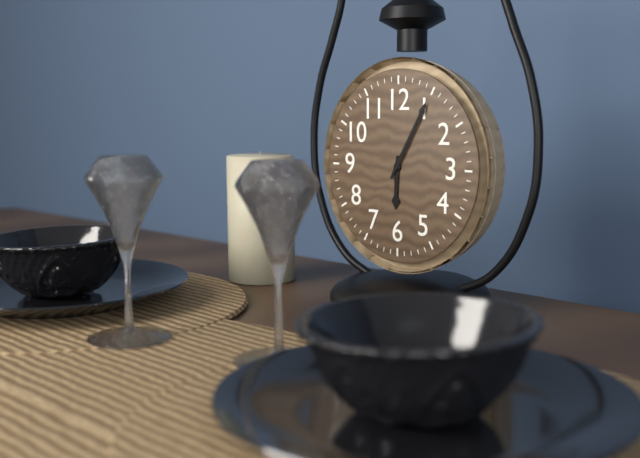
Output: 6h05
